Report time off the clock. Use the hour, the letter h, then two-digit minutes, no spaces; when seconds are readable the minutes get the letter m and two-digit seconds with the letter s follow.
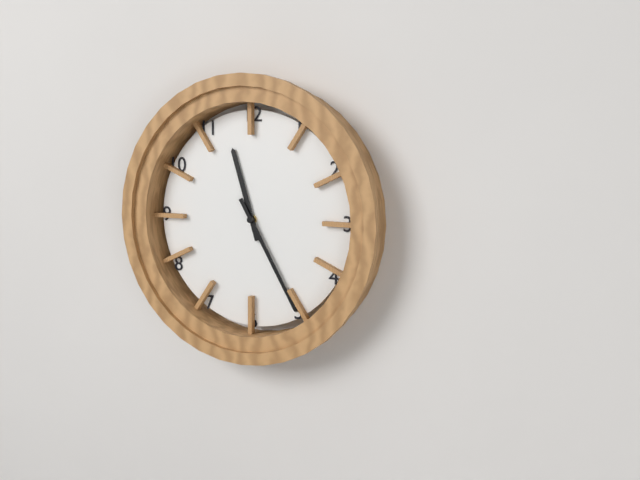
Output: 11h25
